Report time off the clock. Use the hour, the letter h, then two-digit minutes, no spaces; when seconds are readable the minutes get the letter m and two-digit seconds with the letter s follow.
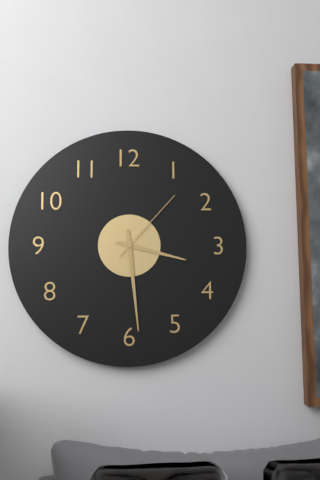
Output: 3h29m07s
